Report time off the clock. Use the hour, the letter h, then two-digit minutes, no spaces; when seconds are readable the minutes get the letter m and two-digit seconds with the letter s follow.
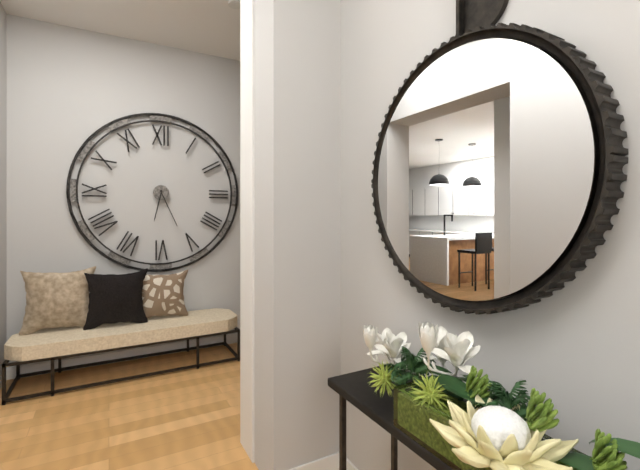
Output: 6h26
